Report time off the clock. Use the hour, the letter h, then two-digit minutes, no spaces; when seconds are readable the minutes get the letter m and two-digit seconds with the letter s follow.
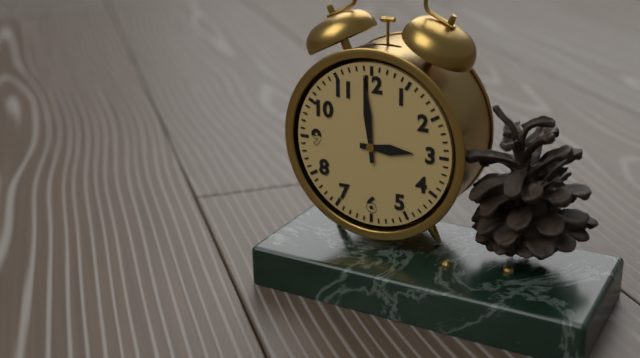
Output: 2h59
